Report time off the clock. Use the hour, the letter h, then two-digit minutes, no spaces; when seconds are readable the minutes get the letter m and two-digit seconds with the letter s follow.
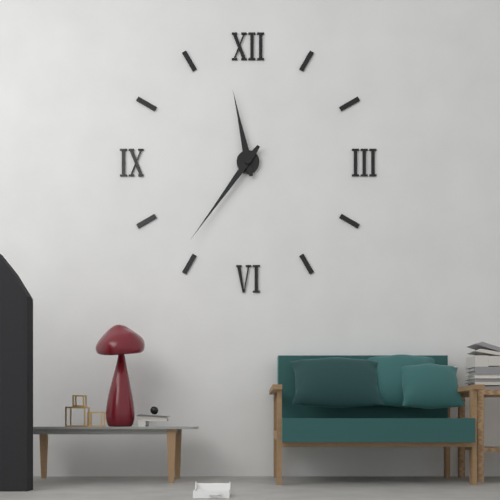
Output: 11h36
